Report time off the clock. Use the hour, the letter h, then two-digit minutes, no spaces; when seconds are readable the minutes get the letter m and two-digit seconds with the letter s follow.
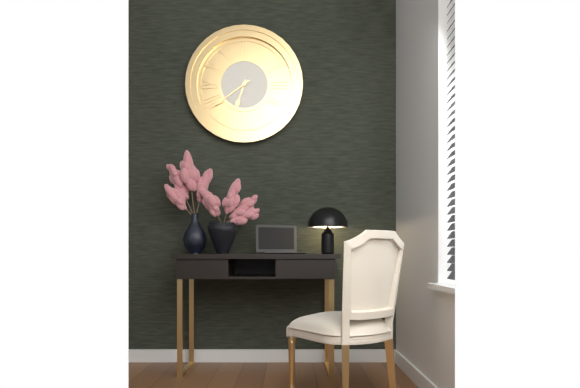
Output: 6h39
